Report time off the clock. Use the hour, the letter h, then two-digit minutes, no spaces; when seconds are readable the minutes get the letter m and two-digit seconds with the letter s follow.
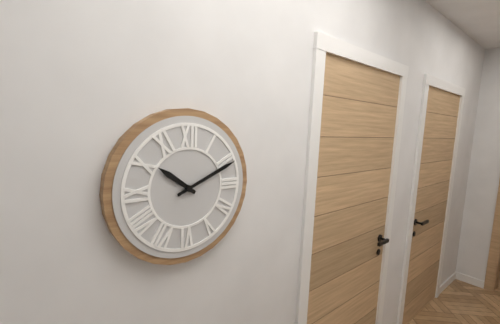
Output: 10h11
